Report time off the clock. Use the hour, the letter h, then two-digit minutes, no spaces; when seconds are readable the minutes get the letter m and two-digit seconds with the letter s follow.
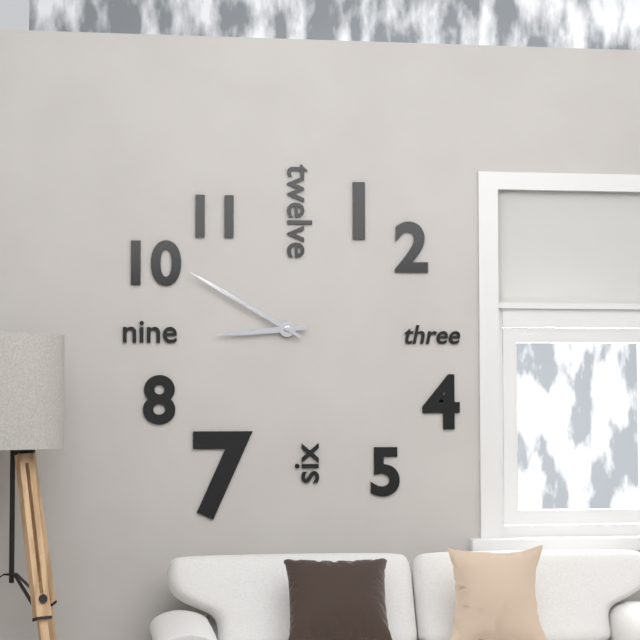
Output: 8h50
